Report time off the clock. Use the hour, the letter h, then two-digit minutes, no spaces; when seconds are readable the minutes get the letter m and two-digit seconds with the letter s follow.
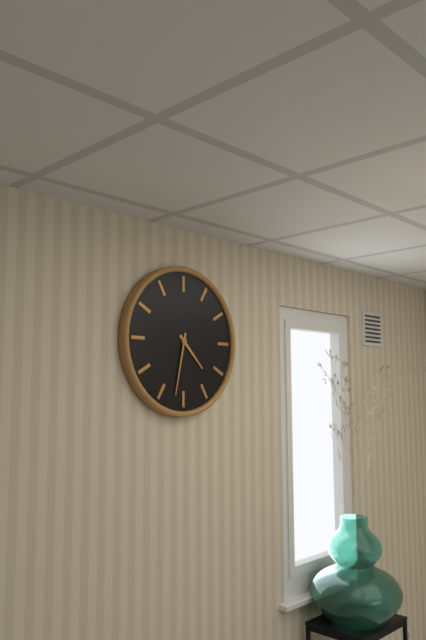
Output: 4h32
